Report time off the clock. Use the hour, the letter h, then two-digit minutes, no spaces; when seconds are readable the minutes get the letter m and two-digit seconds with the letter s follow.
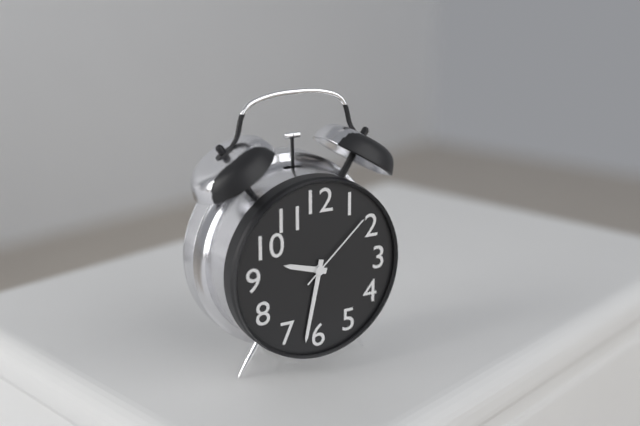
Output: 9h32m08s
